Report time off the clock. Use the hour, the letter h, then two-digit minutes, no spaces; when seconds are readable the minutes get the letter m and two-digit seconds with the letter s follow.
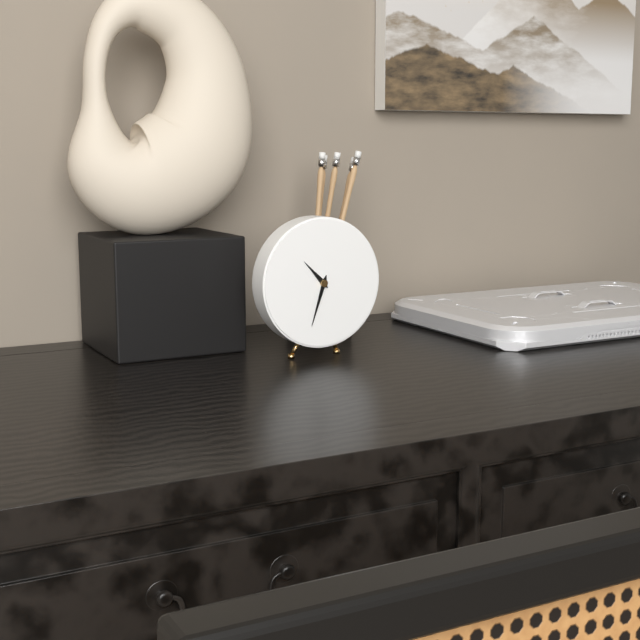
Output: 10h33
